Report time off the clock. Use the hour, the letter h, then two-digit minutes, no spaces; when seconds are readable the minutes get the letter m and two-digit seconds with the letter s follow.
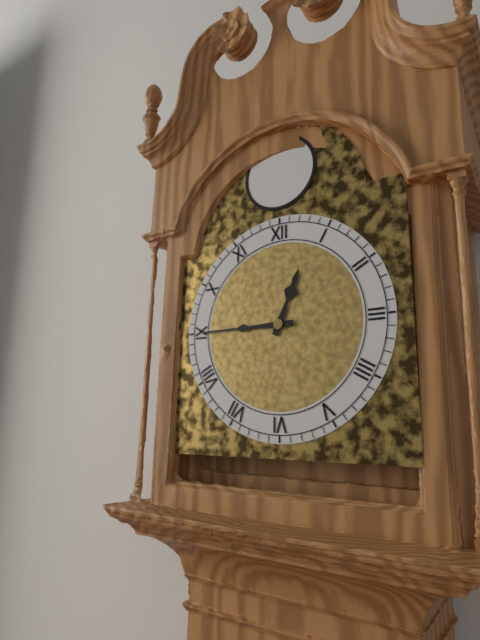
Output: 12h45
